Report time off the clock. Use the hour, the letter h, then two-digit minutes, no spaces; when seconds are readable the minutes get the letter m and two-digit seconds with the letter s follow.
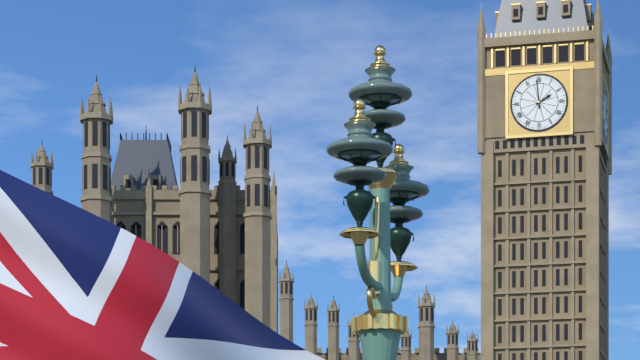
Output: 1h59
